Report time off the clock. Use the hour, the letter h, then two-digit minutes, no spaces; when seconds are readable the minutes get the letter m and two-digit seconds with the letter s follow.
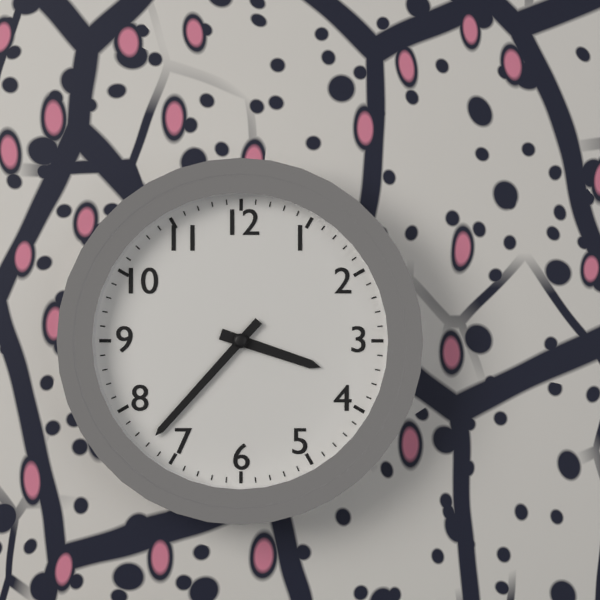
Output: 3h37
